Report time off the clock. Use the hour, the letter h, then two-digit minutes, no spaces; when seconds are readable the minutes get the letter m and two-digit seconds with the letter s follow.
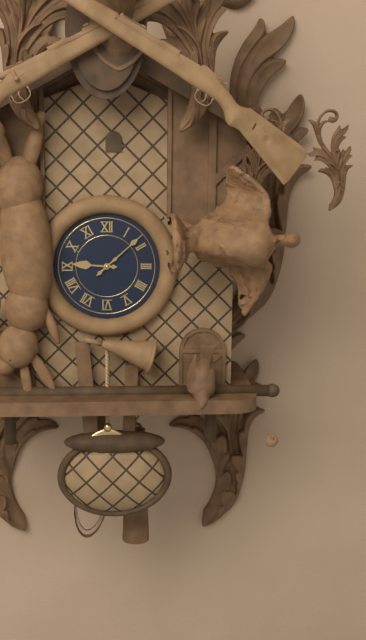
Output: 9h08
